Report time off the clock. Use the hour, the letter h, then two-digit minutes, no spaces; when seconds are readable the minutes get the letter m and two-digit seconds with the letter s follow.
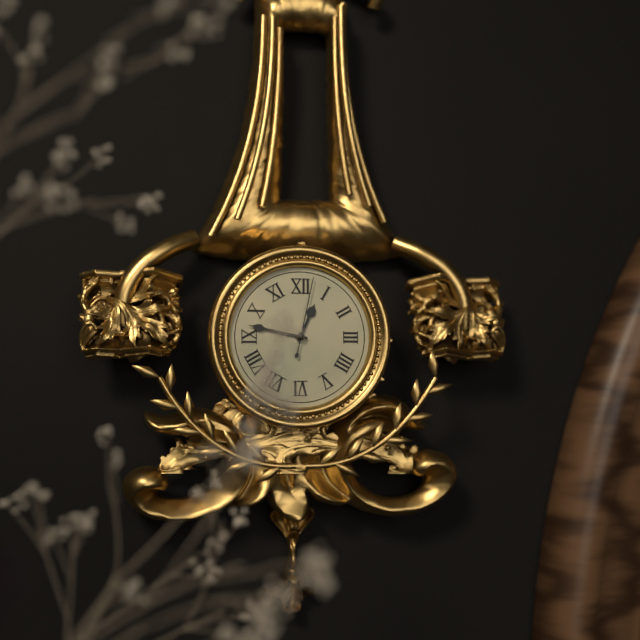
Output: 12h47m02s
